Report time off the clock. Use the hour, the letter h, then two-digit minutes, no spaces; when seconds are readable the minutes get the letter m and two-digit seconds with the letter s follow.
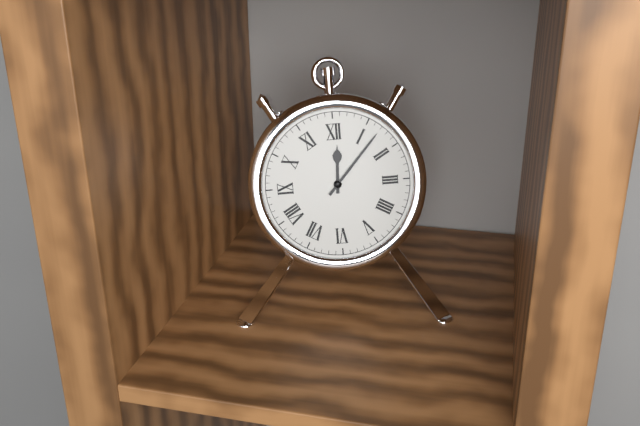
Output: 12h07
